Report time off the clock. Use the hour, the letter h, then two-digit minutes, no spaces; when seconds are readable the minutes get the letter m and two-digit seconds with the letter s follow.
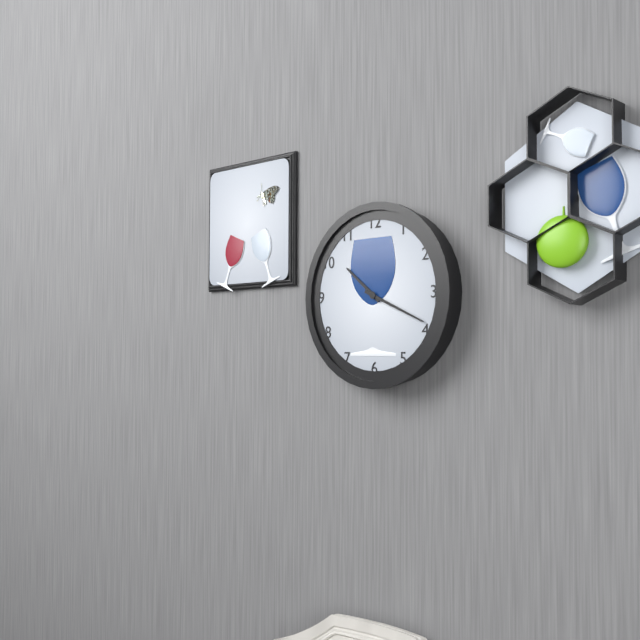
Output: 10h19
